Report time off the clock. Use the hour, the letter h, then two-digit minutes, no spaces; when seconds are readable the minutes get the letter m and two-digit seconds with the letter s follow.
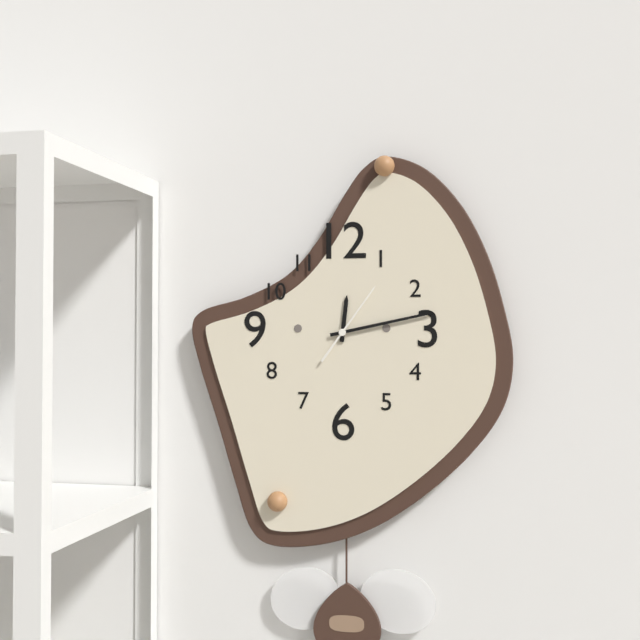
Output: 12h13m06s
